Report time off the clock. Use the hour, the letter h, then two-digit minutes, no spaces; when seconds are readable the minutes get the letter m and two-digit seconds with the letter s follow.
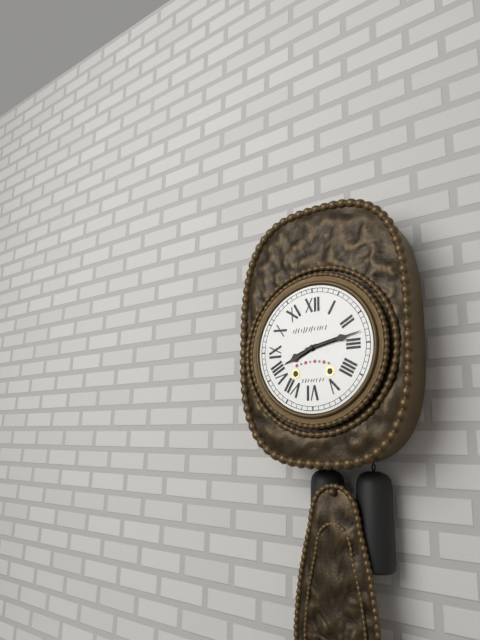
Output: 8h13
